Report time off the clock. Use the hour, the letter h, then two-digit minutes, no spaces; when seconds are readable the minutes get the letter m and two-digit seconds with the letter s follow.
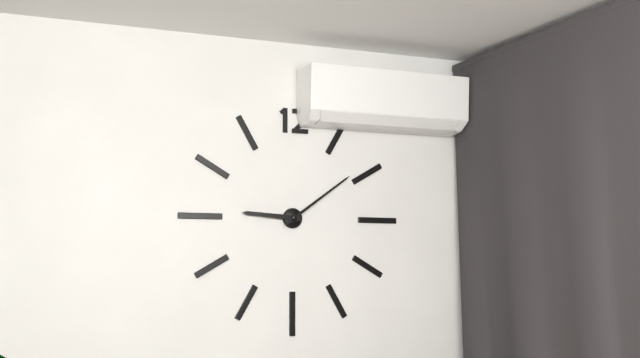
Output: 9h09
